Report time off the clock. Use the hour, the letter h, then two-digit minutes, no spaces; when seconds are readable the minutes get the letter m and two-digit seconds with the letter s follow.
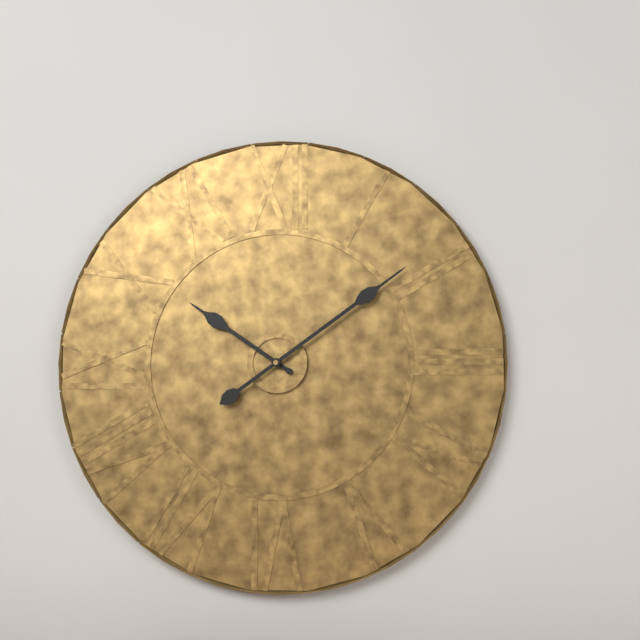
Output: 10h09
